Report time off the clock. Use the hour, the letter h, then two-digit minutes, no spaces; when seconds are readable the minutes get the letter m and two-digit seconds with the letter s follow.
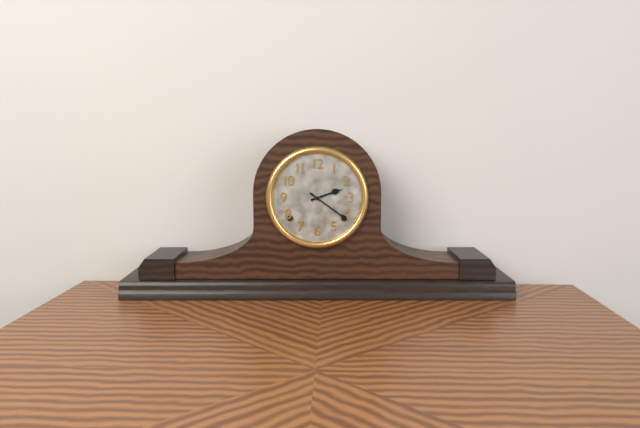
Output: 2h21
